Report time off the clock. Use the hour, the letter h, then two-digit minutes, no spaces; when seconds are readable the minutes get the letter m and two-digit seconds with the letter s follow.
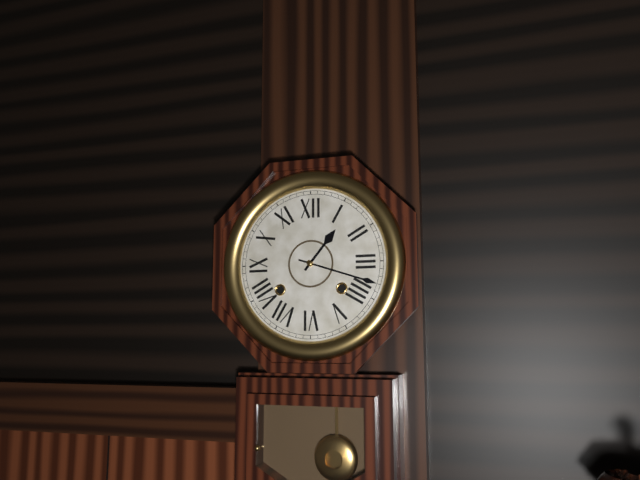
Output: 1h18
